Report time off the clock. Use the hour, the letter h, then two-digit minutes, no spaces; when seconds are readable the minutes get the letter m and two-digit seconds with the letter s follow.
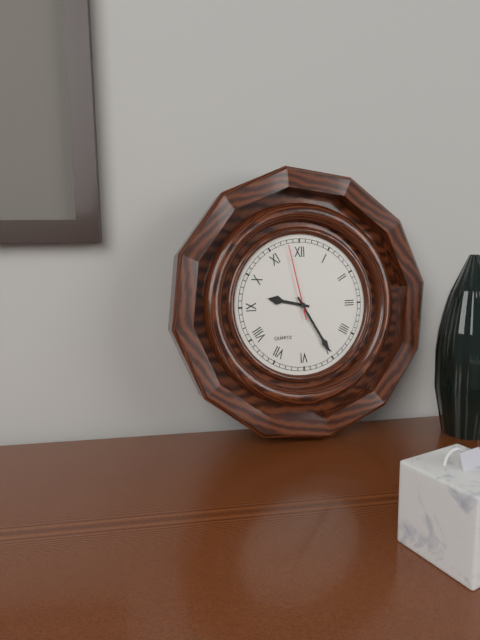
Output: 9h25m58s
